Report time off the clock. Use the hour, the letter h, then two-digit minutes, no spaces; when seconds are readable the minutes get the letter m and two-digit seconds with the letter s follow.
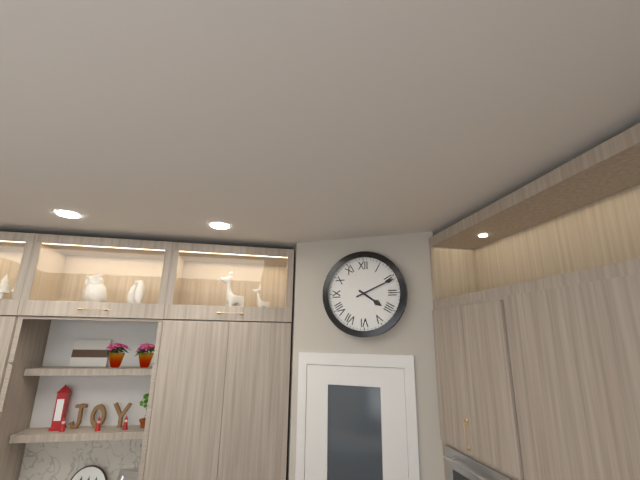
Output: 4h11
